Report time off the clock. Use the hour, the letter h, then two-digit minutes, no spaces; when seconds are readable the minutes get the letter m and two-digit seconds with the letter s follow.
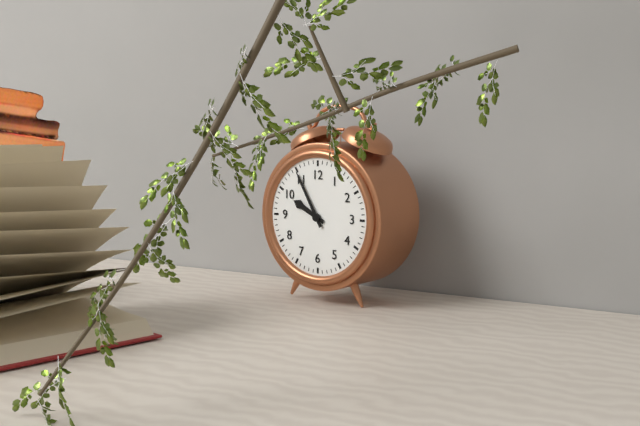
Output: 9h55
